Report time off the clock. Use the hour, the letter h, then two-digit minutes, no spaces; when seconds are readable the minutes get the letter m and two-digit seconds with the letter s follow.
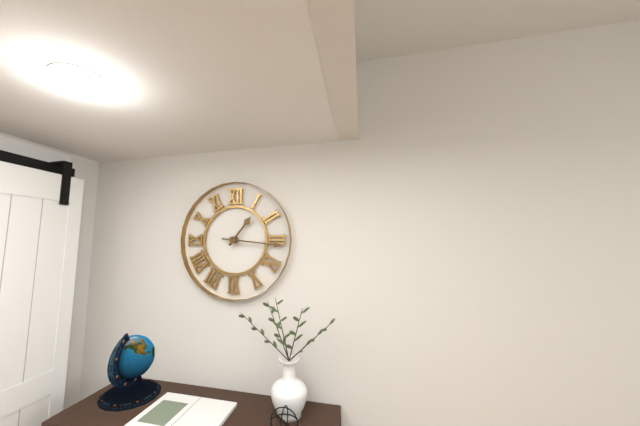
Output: 1h16
